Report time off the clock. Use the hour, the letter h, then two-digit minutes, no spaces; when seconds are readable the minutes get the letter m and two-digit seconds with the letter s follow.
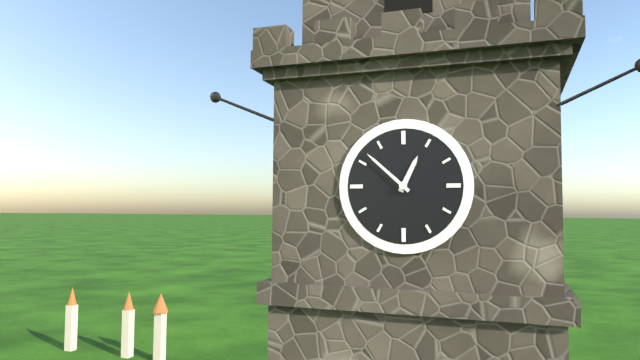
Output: 12h52
